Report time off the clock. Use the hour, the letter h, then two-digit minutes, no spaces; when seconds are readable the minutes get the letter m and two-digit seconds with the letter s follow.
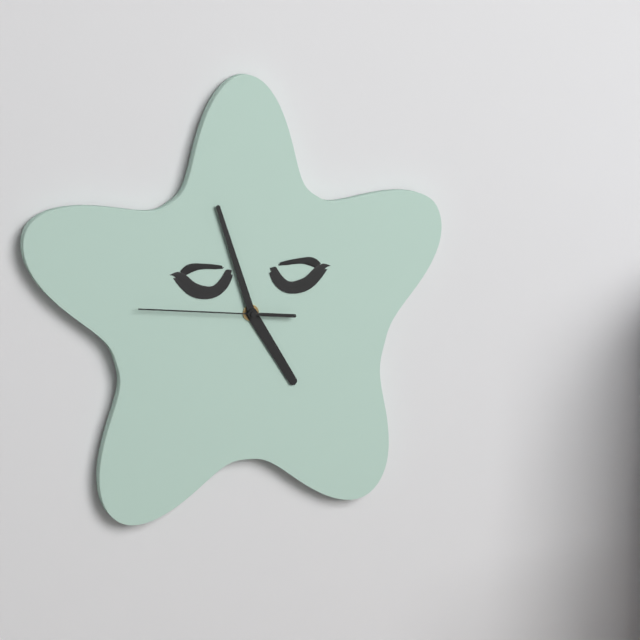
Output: 4h57m46s
